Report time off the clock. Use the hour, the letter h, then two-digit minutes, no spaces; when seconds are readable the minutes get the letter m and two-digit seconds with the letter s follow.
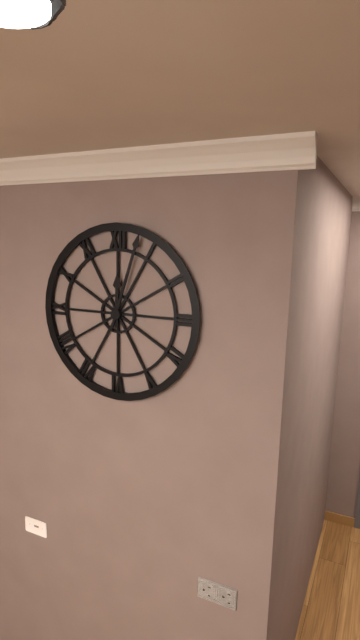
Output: 12h03
